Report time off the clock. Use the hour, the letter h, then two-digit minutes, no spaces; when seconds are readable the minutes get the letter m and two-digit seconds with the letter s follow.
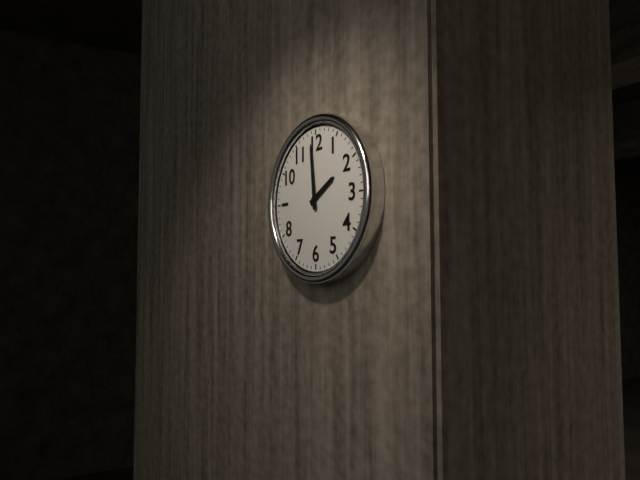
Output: 1h59
